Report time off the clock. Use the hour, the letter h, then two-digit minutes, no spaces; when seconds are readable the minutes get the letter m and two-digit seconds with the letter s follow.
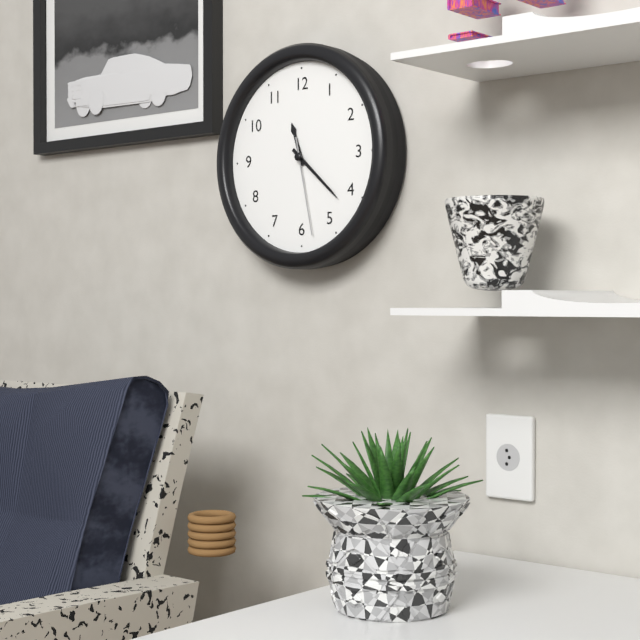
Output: 11h22m28s
